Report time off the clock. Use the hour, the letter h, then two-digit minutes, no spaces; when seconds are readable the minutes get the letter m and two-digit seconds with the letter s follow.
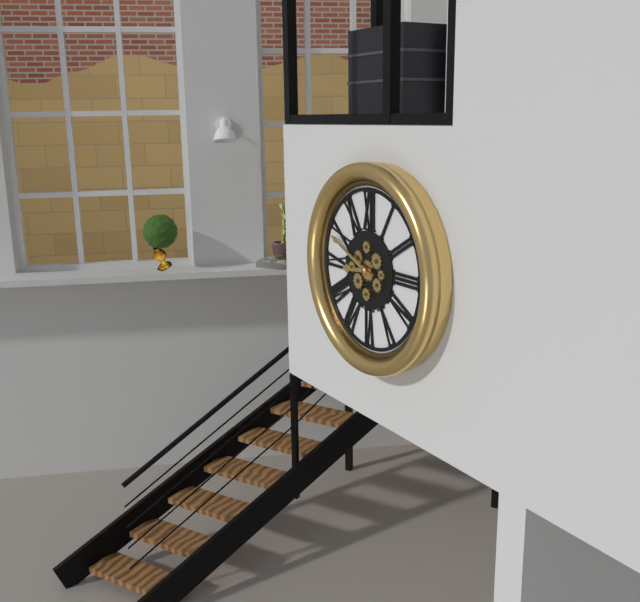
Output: 8h49
